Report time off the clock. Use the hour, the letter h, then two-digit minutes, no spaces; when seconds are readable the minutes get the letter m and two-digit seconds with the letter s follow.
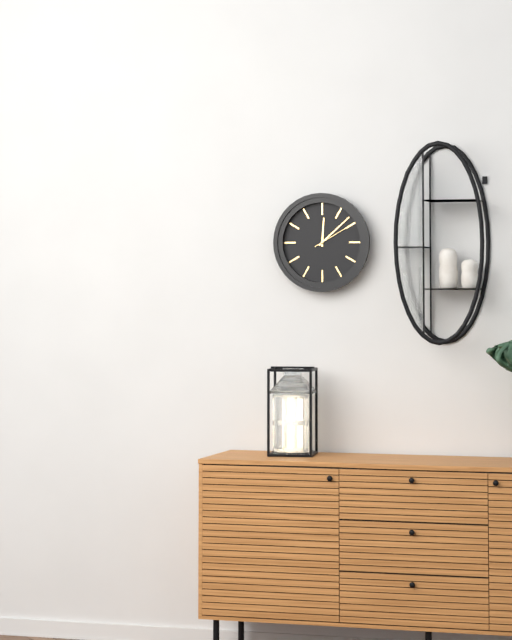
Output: 12h08
